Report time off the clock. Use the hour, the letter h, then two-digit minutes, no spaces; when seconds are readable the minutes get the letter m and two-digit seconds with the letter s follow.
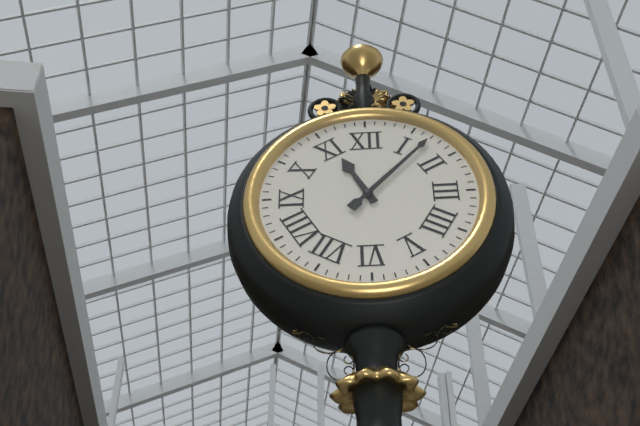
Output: 11h07
